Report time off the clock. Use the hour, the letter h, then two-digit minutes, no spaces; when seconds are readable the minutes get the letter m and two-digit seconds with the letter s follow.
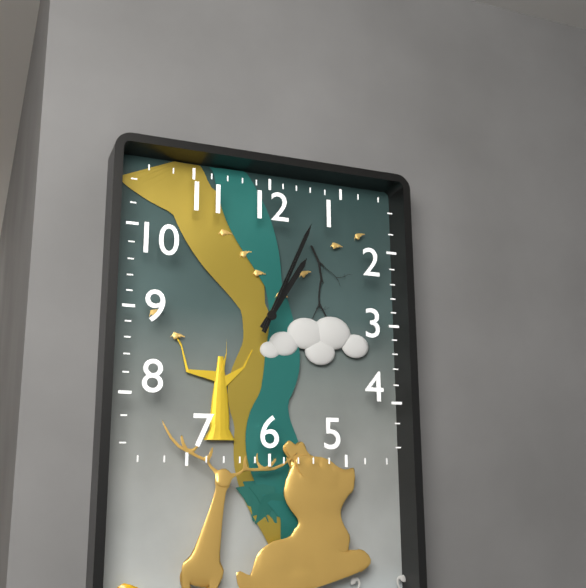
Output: 1h04m04s
